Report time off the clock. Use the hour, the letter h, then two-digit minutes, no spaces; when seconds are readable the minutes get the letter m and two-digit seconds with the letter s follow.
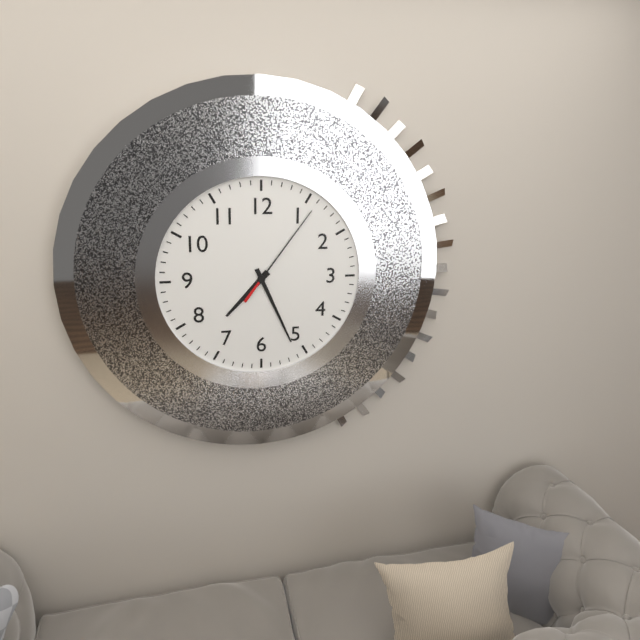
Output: 7h26m06s
